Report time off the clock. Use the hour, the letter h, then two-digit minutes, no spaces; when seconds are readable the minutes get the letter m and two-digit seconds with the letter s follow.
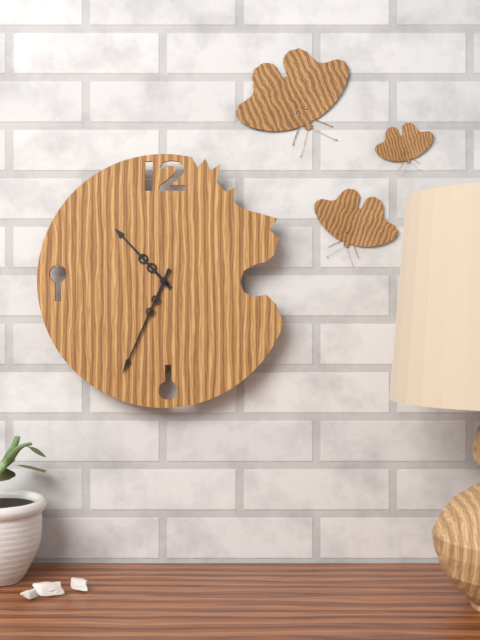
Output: 10h34
